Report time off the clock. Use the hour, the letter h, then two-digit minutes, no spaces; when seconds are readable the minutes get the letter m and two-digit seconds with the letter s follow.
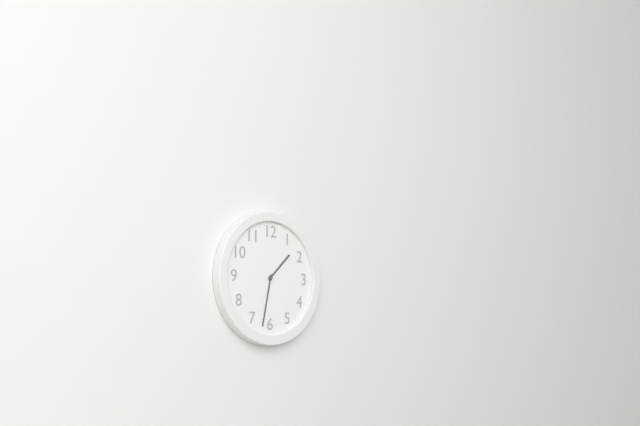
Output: 1h32
